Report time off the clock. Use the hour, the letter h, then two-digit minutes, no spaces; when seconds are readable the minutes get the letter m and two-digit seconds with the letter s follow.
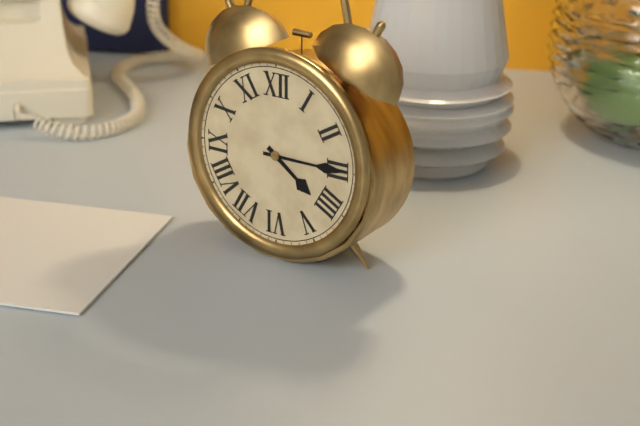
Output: 4h15
